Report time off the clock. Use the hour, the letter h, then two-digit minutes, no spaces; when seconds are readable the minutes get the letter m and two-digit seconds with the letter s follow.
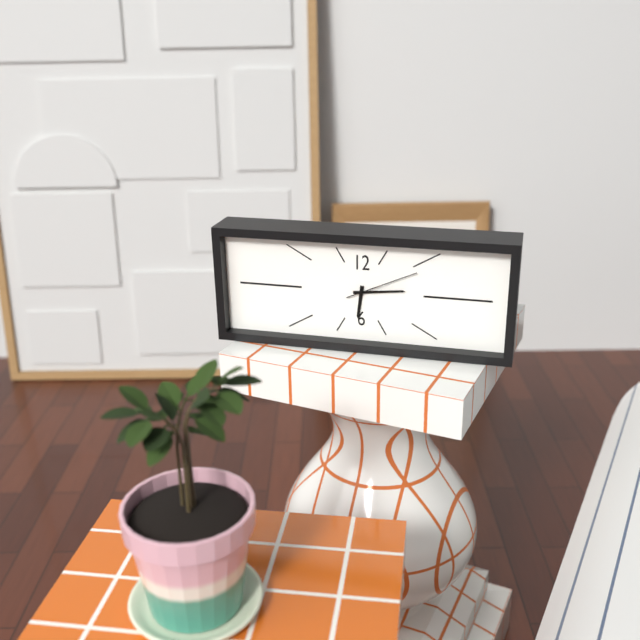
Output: 6h14m11s
